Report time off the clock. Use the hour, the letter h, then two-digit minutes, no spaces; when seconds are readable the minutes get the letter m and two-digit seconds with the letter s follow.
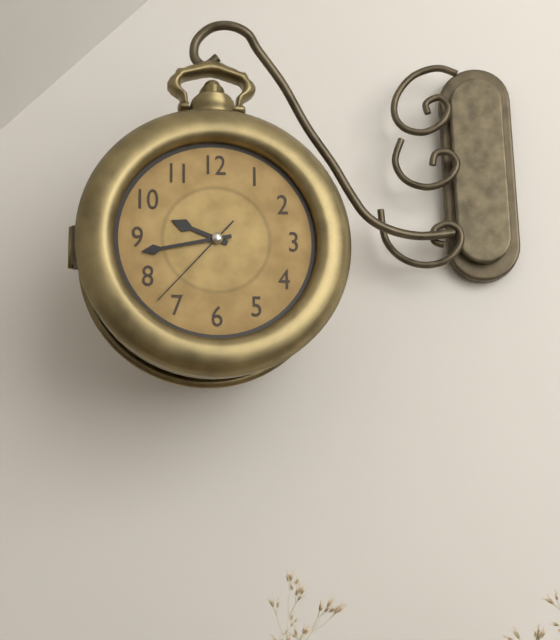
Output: 9h43m37s
